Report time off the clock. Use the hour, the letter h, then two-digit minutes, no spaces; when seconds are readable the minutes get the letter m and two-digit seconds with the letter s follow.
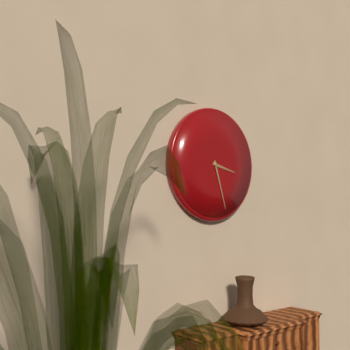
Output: 3h27
